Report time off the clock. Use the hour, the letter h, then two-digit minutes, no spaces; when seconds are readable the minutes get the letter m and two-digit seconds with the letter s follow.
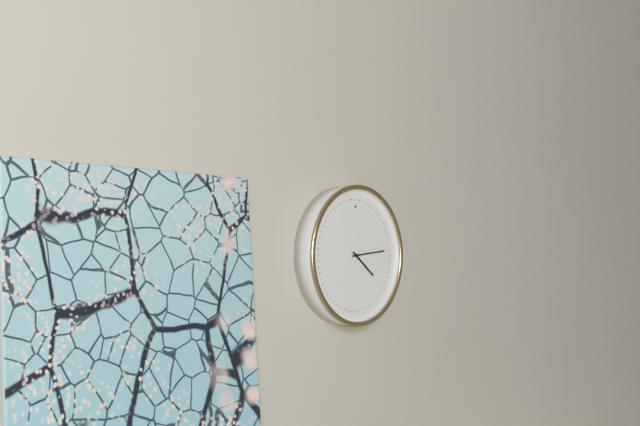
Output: 4h14
